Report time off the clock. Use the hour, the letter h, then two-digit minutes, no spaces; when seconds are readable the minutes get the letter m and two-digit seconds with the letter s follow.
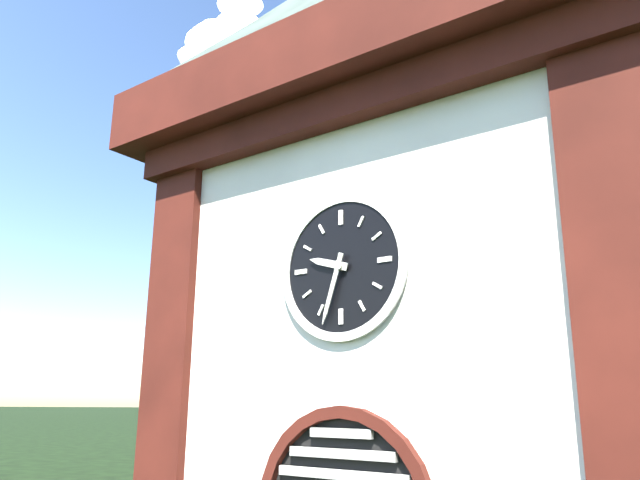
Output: 9h33
